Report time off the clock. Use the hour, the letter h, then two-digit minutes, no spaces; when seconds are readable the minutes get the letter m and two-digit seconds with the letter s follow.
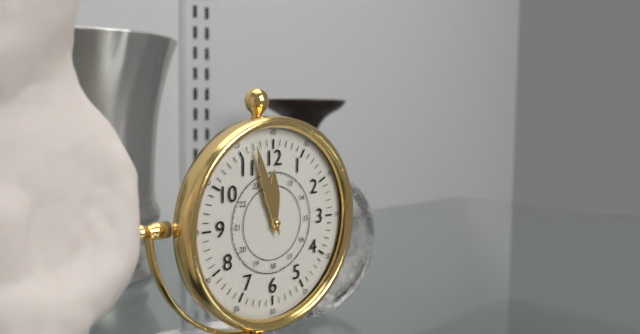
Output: 11h57
